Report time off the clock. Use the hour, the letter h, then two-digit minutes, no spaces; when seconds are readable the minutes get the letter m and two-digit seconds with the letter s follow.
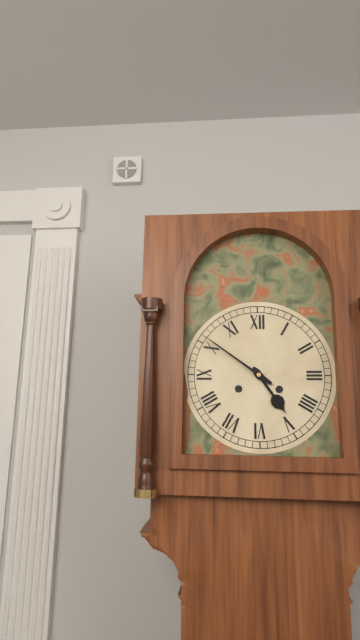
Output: 4h51
